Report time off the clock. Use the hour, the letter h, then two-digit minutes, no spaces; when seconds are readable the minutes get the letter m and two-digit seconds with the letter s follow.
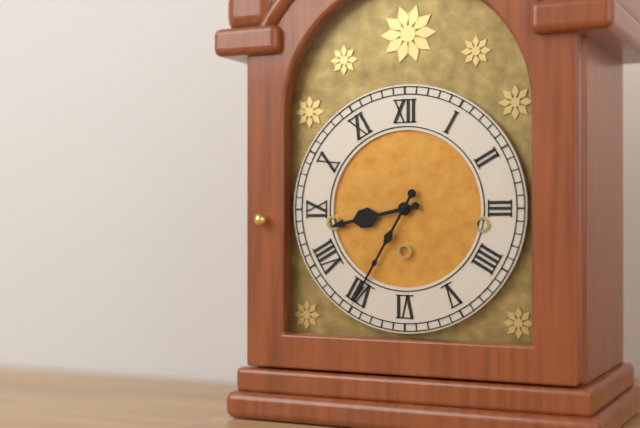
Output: 8h35
